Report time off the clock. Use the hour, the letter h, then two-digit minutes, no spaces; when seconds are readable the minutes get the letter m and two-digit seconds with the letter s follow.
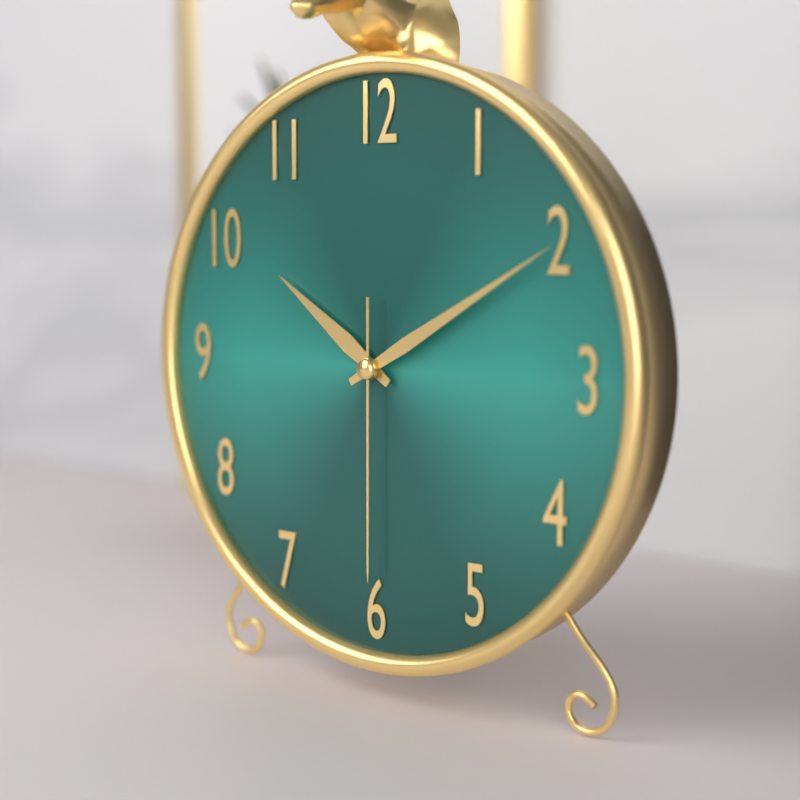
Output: 10h10m30s
